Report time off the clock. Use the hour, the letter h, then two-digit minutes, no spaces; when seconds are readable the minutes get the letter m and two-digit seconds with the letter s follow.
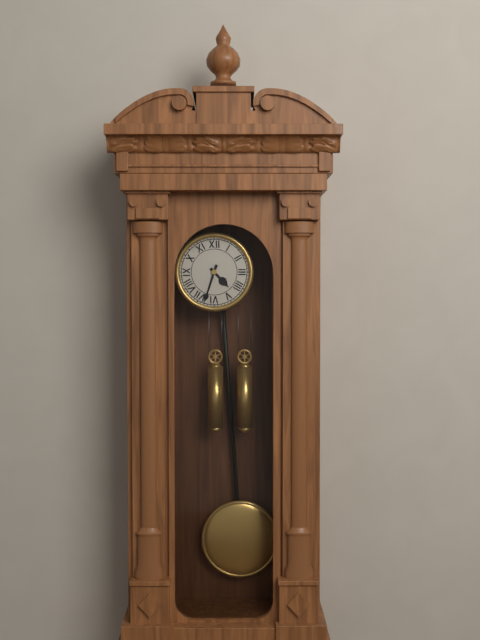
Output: 4h33
